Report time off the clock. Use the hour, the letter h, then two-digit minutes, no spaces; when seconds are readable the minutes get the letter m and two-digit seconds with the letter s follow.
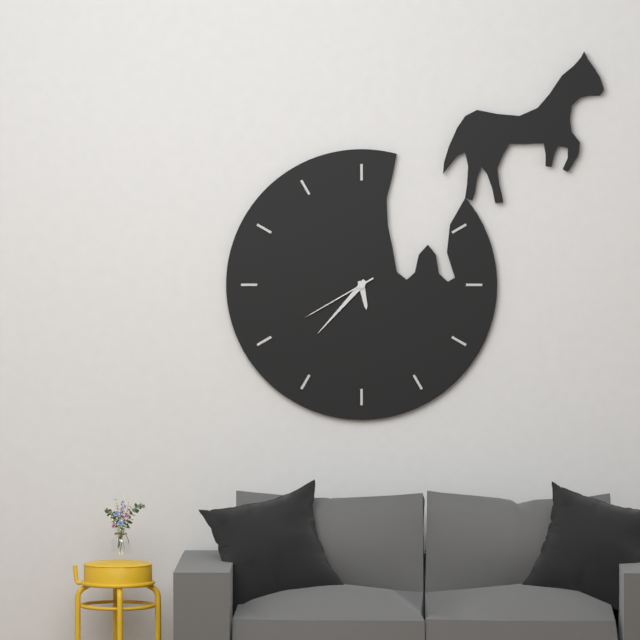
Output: 5h37m40s
